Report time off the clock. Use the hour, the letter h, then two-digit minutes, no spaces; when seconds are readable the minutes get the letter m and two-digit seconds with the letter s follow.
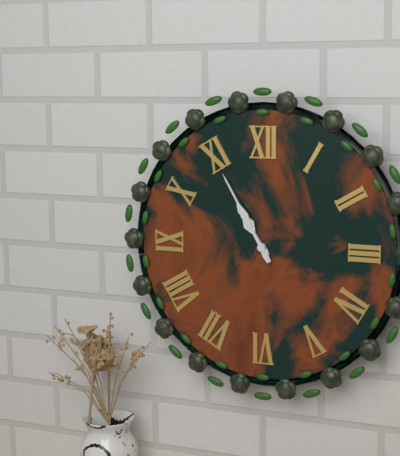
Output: 10h55
